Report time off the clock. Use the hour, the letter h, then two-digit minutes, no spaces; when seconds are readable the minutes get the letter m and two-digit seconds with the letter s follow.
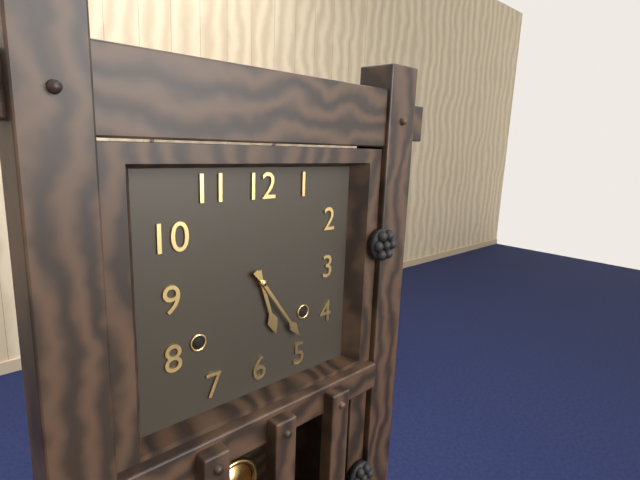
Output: 5h24
